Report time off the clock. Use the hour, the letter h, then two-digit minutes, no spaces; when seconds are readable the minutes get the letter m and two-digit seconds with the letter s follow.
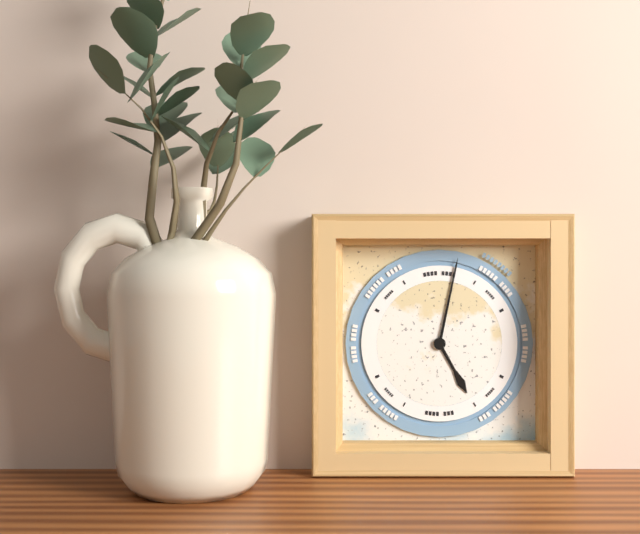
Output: 5h02
